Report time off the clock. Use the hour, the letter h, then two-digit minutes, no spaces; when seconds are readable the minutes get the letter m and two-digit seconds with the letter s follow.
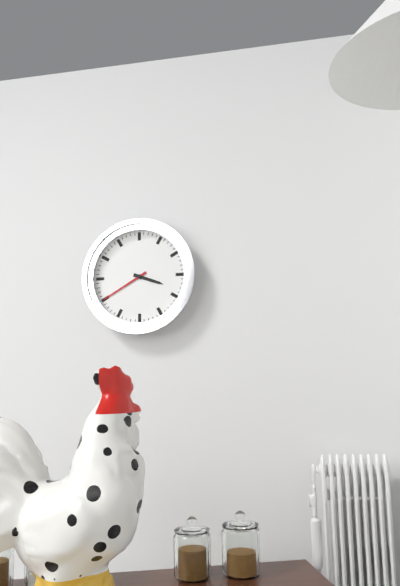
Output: 3h40
